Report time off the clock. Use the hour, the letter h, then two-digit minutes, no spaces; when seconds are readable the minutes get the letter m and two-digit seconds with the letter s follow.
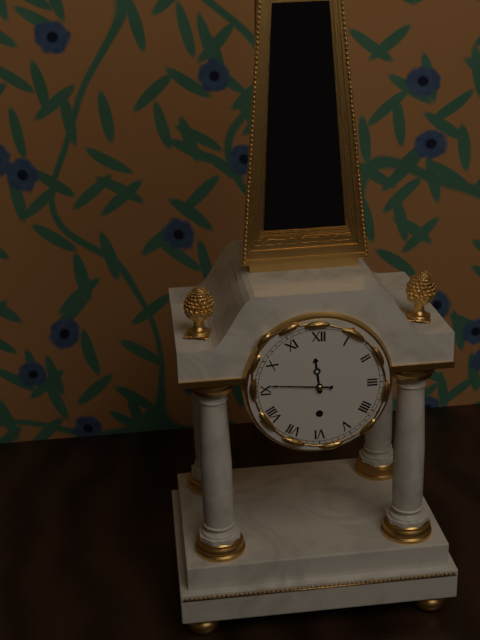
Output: 11h46
